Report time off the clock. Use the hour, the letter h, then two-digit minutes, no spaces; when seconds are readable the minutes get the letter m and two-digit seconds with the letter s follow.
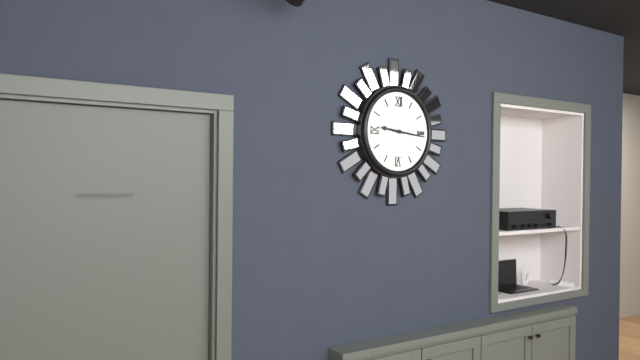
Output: 9h16
